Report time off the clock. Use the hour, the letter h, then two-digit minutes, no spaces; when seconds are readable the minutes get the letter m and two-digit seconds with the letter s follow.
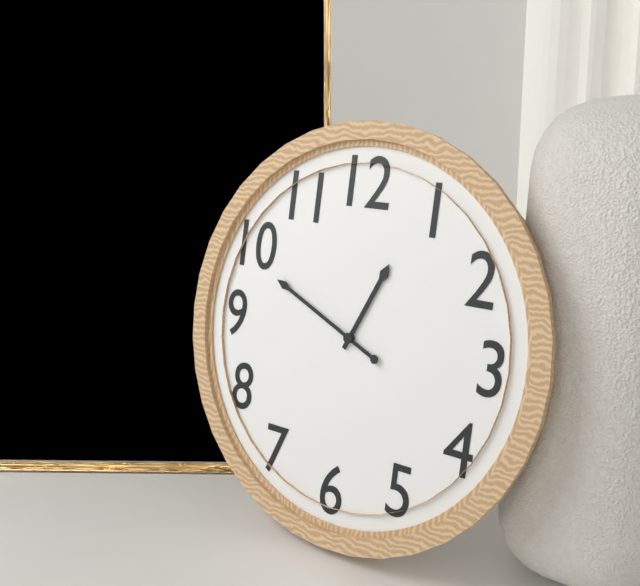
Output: 12h49
